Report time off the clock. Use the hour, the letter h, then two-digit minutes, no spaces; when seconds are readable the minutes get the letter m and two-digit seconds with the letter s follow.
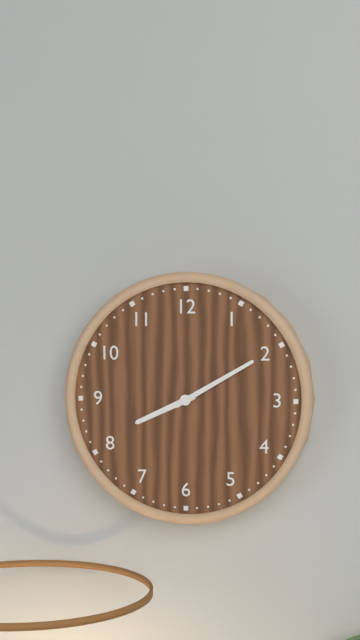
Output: 8h10
